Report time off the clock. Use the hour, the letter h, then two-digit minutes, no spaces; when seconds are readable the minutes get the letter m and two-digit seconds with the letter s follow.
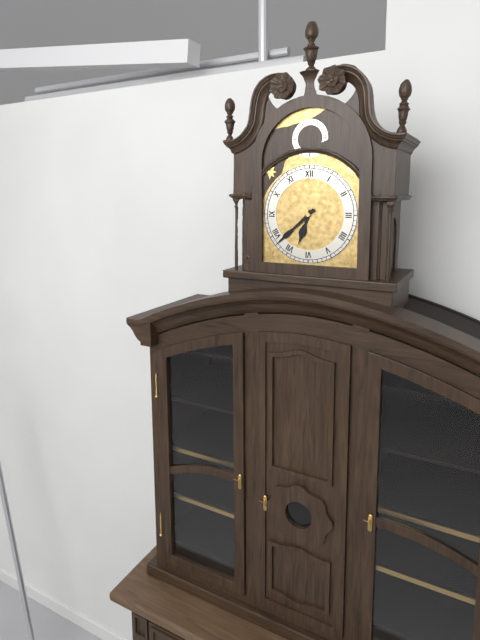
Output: 6h38
